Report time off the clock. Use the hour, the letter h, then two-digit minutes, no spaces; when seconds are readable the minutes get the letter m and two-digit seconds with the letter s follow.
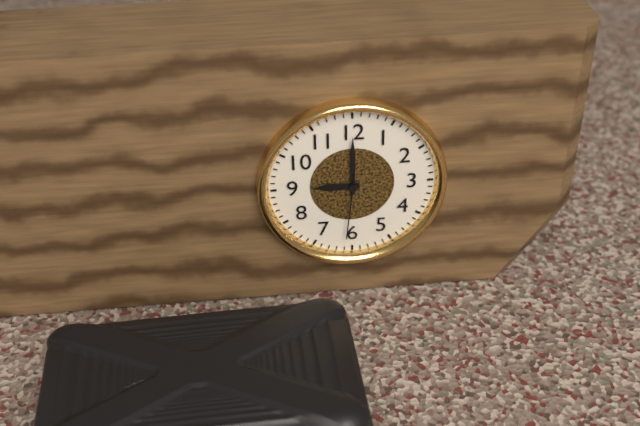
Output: 9h00m31s
